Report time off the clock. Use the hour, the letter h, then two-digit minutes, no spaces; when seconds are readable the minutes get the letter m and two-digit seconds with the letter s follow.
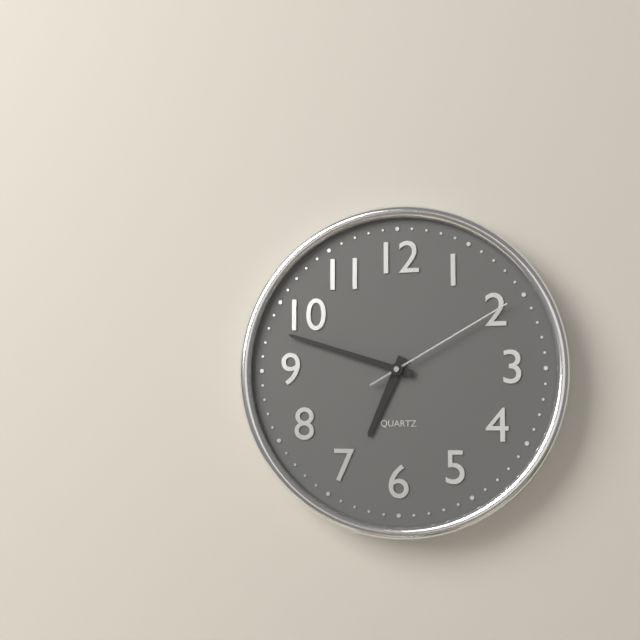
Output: 6h48m10s
